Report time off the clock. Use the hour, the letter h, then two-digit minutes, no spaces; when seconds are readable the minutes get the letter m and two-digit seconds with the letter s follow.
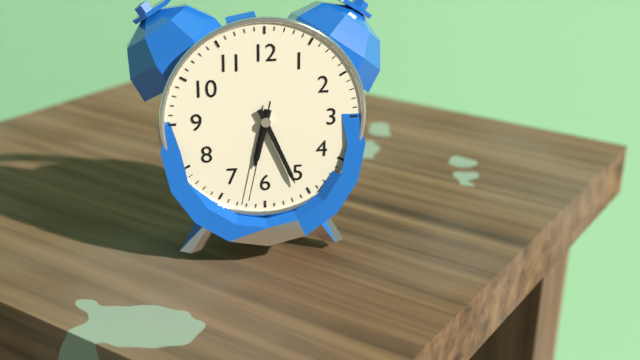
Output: 6h26m32s
